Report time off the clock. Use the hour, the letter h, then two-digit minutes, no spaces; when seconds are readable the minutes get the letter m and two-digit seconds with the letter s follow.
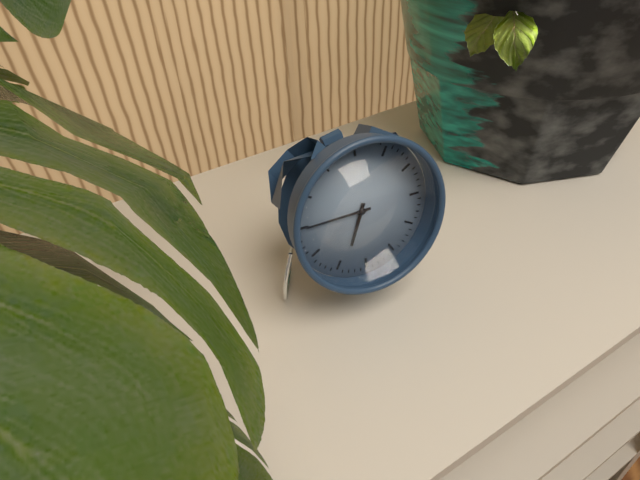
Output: 6h45
